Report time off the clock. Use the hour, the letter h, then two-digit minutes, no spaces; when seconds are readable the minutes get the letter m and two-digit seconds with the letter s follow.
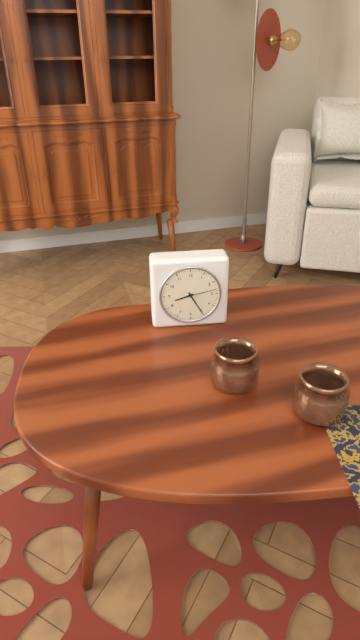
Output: 8h25
